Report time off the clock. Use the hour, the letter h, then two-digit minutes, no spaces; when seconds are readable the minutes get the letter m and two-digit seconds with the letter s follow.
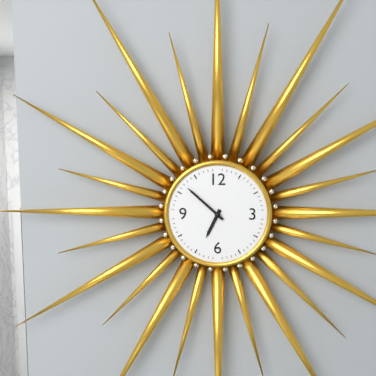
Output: 6h52
